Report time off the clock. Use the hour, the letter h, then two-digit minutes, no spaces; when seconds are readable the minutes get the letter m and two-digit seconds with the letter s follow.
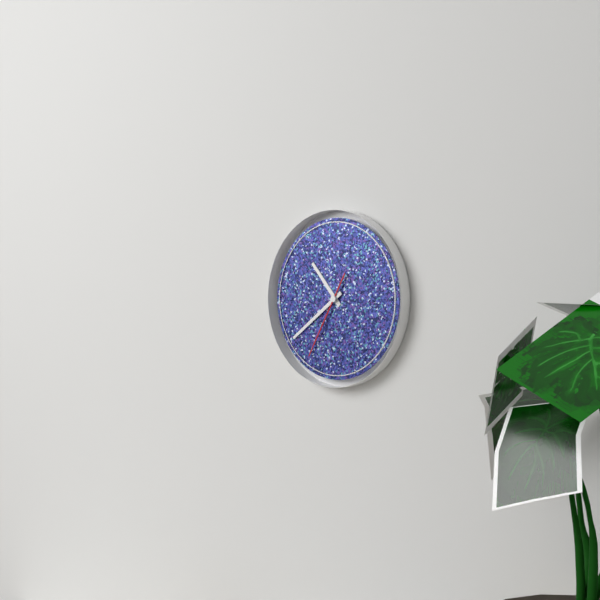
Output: 10h39m35s
